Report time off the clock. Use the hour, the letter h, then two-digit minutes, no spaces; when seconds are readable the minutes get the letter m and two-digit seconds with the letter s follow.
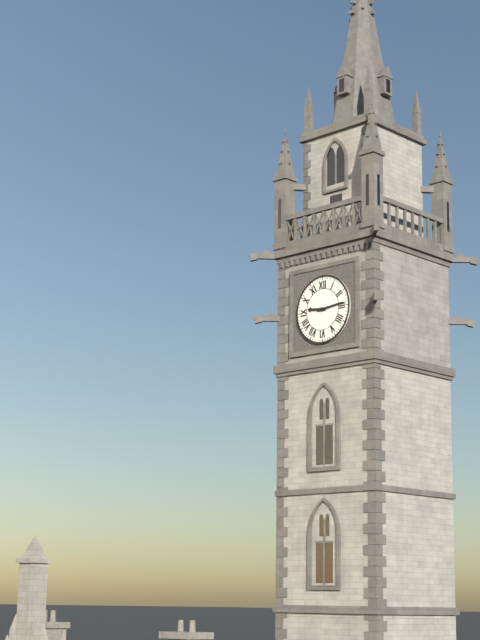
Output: 9h14
